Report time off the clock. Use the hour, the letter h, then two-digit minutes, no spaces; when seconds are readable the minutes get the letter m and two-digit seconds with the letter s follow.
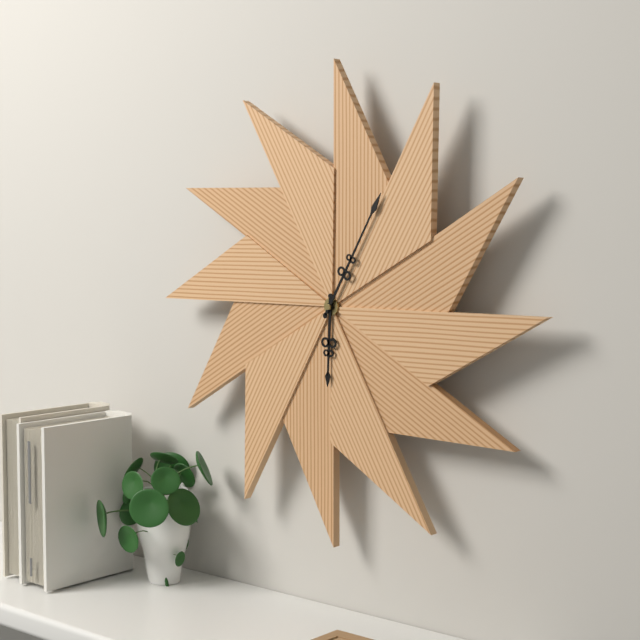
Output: 6h05
